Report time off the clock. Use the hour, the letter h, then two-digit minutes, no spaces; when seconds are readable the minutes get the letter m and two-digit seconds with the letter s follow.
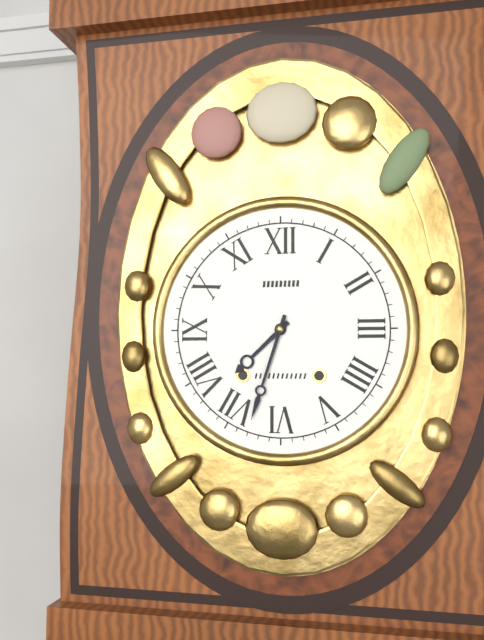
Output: 7h33
